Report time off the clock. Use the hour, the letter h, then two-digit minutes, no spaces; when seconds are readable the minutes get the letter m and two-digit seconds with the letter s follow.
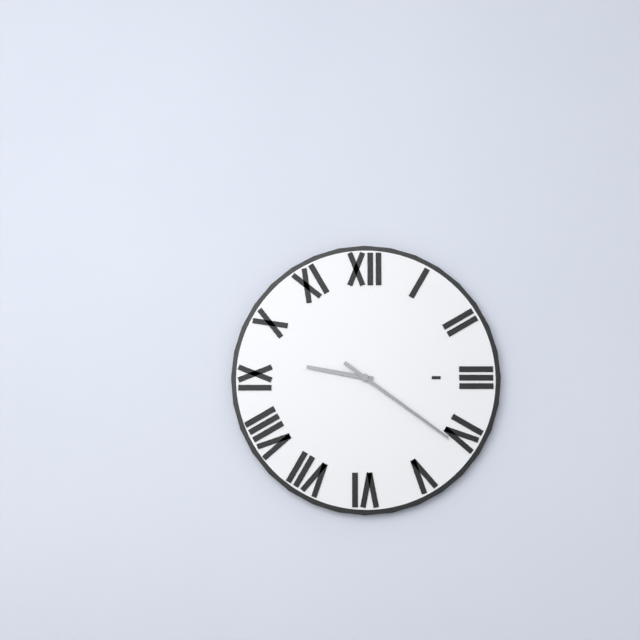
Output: 9h21
